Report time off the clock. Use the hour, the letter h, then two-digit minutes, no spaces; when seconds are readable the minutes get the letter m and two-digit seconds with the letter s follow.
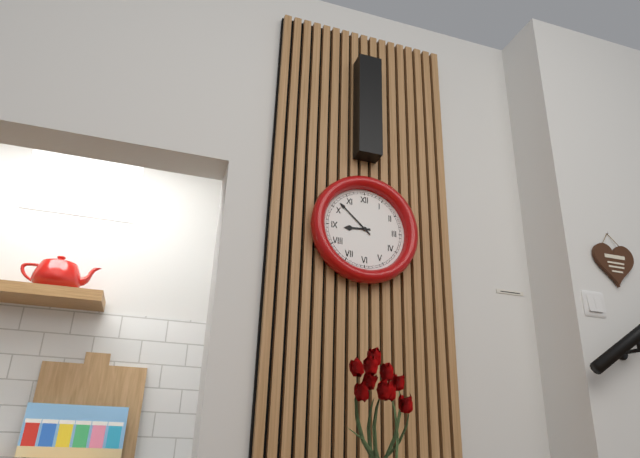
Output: 8h52
